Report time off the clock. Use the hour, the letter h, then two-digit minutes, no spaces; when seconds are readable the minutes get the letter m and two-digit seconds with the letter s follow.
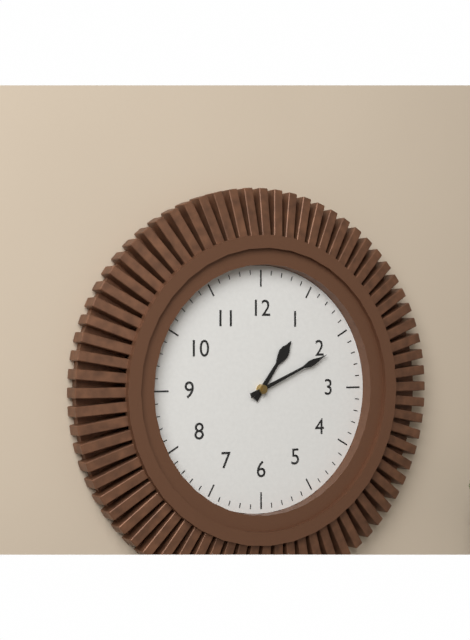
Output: 1h11
